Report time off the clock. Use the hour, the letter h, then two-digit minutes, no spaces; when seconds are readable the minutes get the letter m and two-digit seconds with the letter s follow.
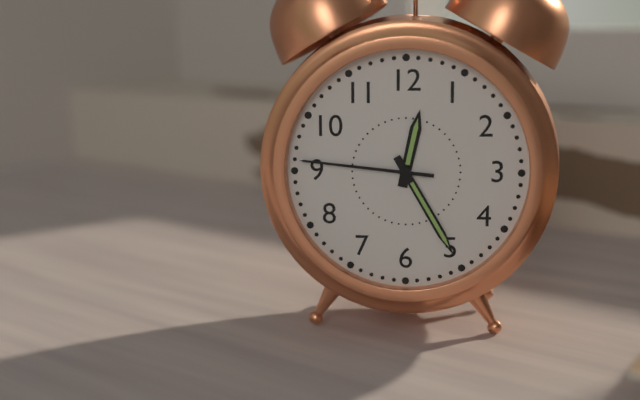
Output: 12h25m46s
